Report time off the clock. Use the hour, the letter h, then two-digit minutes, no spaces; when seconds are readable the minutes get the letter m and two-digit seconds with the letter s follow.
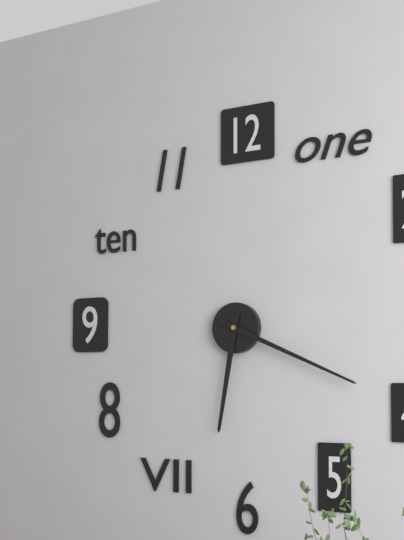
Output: 6h19
